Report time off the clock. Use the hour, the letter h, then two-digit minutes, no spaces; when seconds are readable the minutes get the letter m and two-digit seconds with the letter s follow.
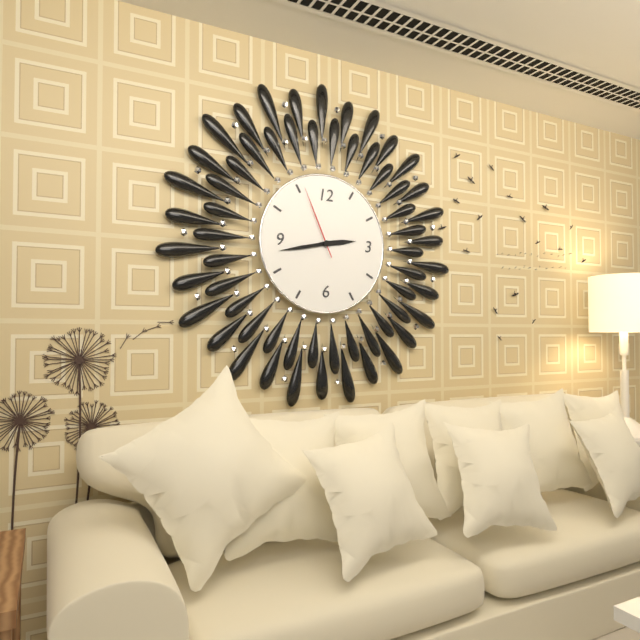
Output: 2h43m56s
